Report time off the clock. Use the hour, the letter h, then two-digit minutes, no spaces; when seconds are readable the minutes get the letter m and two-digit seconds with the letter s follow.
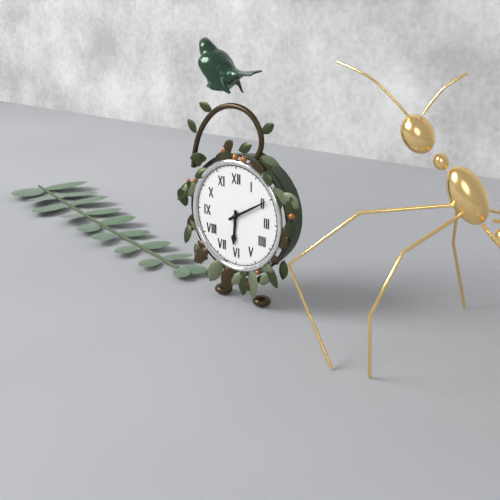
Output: 6h10
